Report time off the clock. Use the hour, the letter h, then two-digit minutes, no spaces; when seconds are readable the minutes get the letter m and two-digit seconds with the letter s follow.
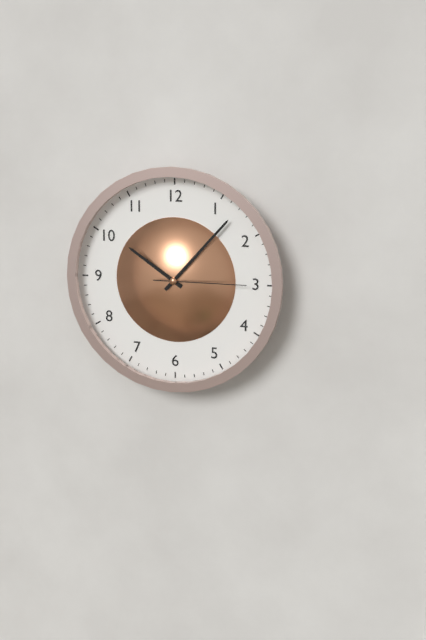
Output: 10h07m15s
